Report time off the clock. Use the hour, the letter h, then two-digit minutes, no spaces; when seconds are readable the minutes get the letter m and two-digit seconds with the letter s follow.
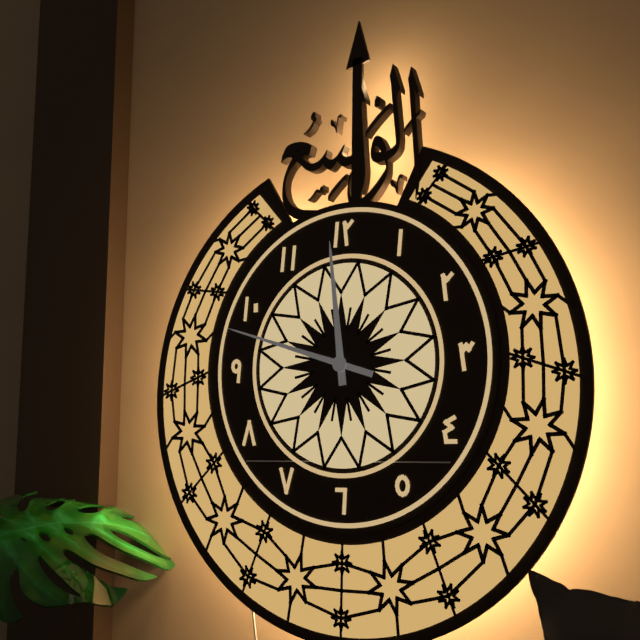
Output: 11h48
